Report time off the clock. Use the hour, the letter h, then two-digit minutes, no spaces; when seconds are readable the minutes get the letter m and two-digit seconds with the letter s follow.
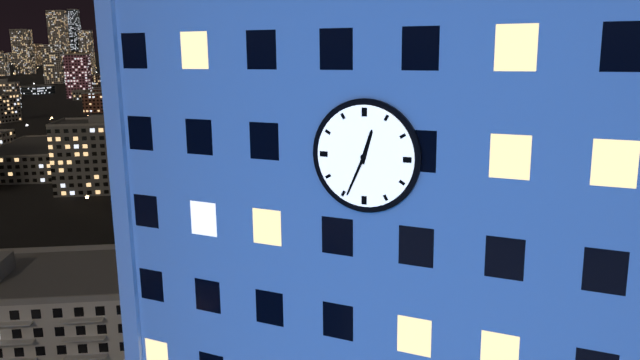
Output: 12h34
